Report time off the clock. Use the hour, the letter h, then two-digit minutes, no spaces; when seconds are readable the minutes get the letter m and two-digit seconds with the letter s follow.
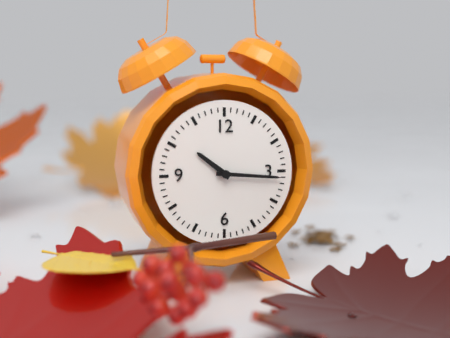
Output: 10h16
